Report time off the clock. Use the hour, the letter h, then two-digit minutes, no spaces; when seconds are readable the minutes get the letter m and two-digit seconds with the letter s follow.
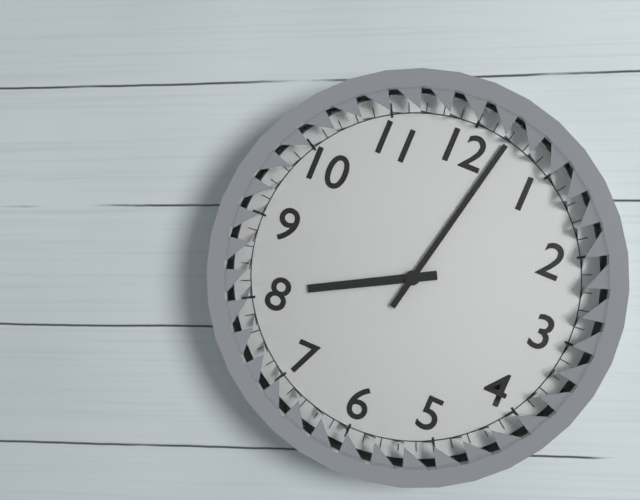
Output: 8h02
